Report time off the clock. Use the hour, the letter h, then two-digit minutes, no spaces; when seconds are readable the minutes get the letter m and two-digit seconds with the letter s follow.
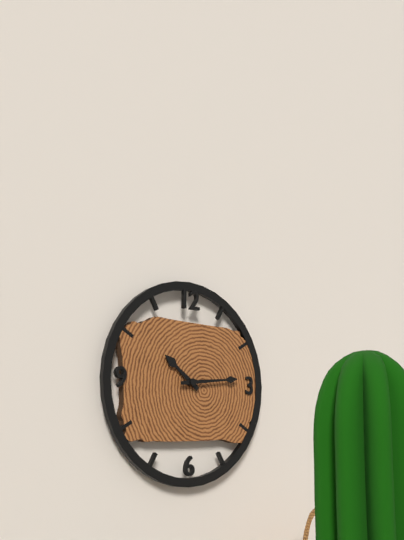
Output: 10h14
